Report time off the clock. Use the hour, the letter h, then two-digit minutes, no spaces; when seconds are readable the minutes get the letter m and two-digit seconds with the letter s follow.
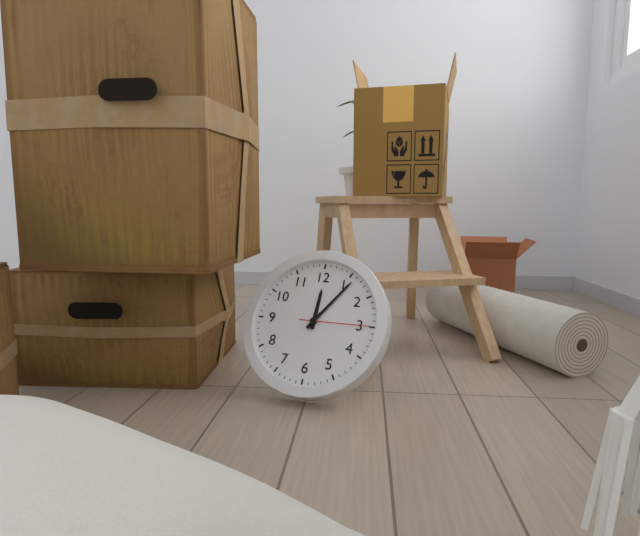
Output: 12h06m15s
